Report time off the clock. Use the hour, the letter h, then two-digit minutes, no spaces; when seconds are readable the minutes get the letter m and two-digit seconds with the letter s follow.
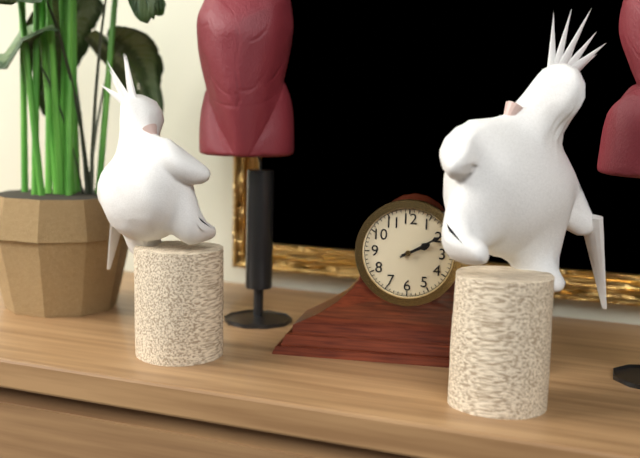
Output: 2h10
